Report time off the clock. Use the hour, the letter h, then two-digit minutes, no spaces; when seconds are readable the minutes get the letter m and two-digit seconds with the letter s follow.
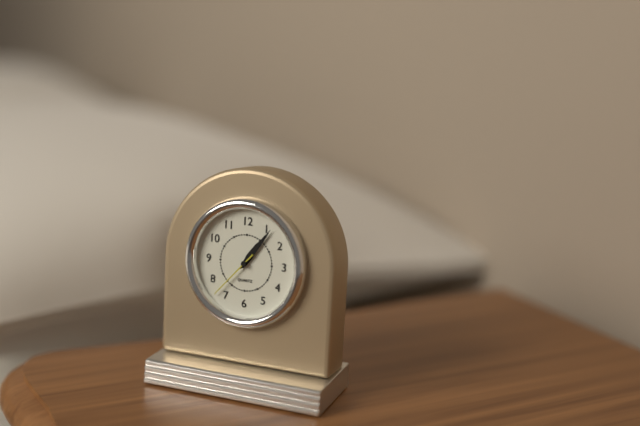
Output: 1h06m37s
